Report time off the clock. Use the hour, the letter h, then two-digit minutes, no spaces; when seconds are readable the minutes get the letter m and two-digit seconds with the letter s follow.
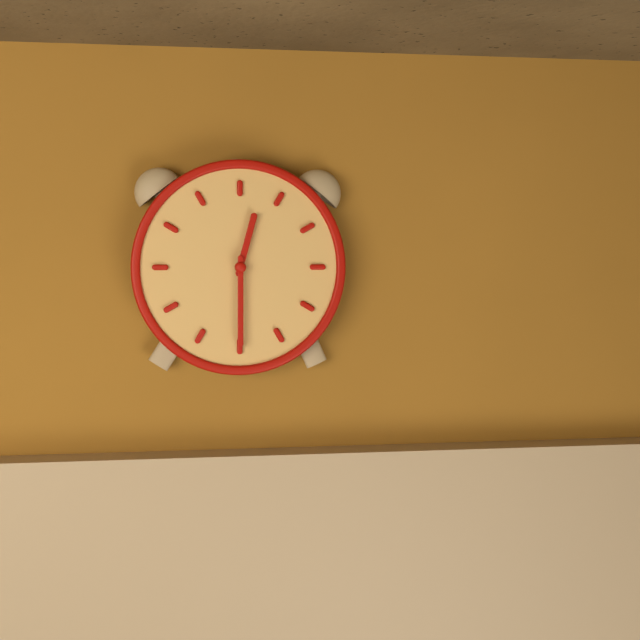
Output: 12h30
